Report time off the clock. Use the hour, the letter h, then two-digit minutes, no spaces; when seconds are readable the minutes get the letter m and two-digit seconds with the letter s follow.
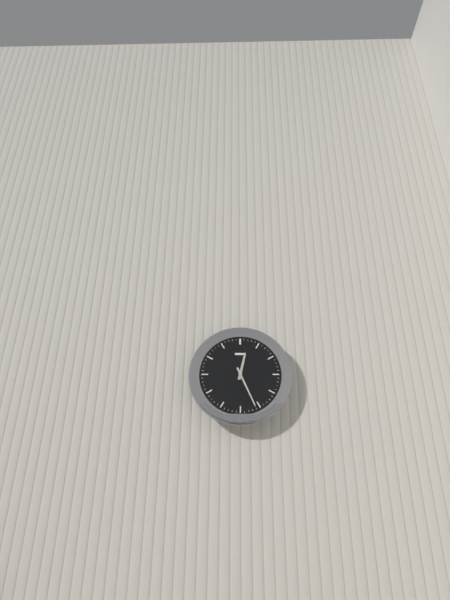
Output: 12h26
